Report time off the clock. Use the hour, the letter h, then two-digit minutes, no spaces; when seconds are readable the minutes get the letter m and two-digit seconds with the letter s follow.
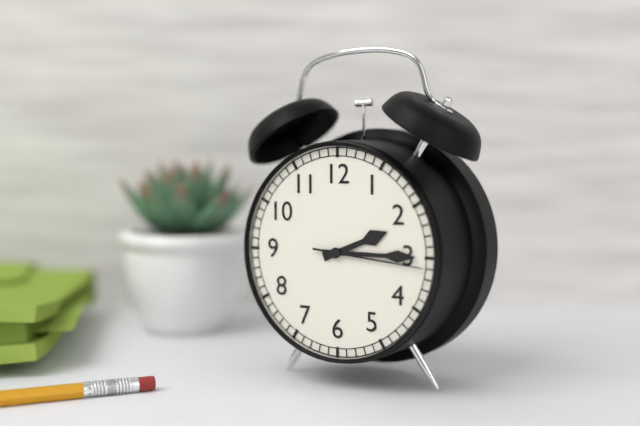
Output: 2h15m16s
